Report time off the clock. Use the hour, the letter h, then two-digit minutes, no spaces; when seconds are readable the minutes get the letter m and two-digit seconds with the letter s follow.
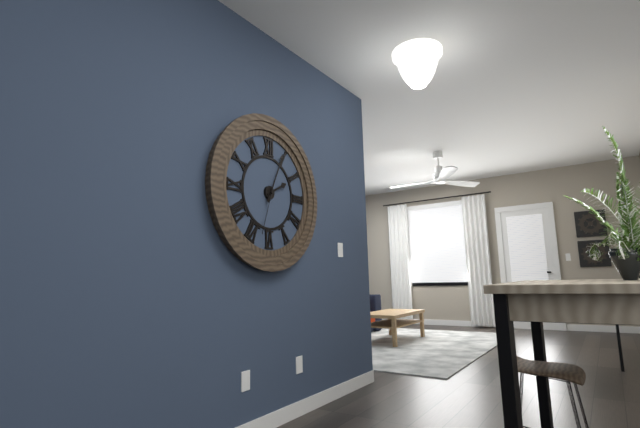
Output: 2h04m33s
